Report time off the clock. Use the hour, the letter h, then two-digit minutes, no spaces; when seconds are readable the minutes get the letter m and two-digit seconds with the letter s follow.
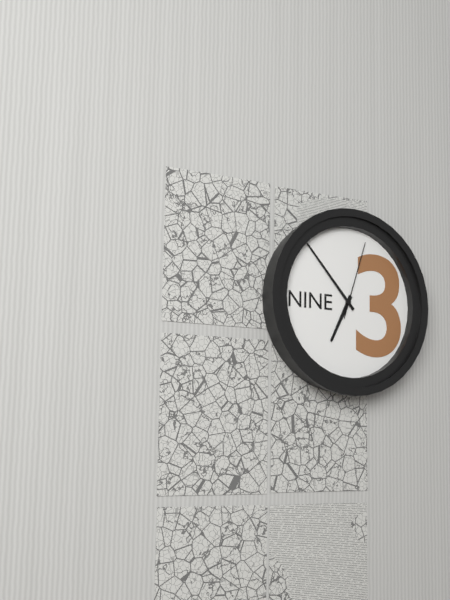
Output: 6h53m03s
